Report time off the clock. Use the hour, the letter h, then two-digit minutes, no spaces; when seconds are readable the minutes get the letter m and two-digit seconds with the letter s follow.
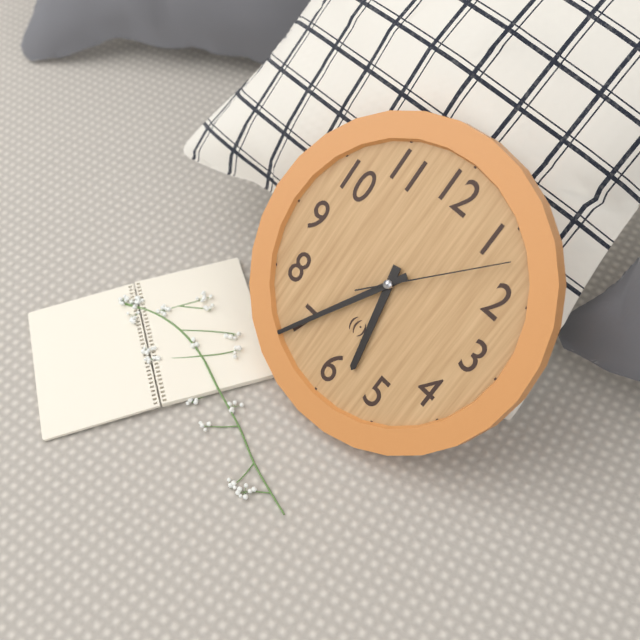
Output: 5h35m07s
